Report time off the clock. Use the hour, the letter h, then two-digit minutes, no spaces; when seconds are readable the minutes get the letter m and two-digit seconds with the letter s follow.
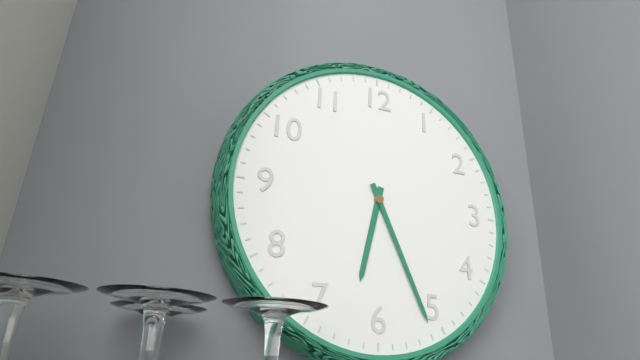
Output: 6h26
